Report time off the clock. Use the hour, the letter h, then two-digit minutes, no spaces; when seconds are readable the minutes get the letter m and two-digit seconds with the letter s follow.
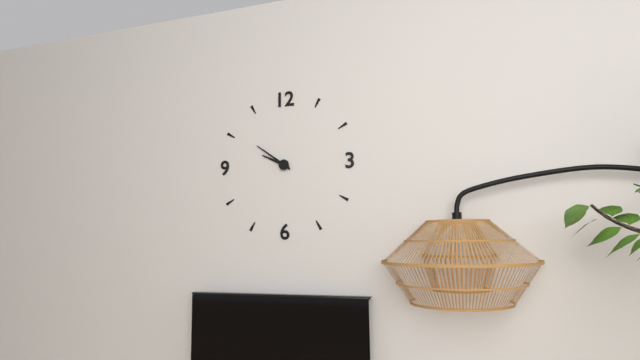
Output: 9h51
